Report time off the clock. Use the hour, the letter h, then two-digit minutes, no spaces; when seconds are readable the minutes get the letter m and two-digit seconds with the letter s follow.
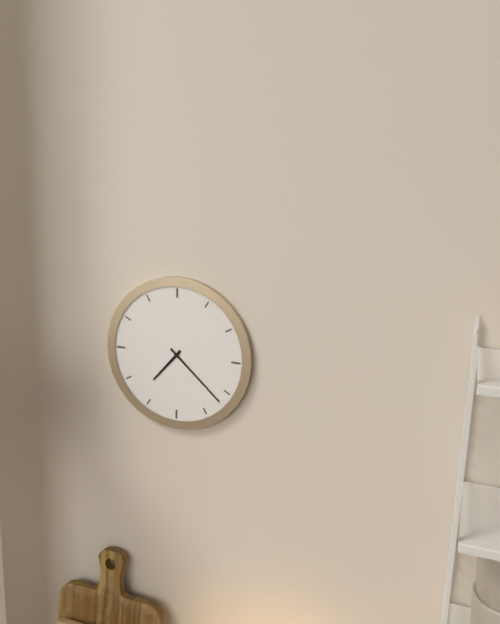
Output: 7h22
